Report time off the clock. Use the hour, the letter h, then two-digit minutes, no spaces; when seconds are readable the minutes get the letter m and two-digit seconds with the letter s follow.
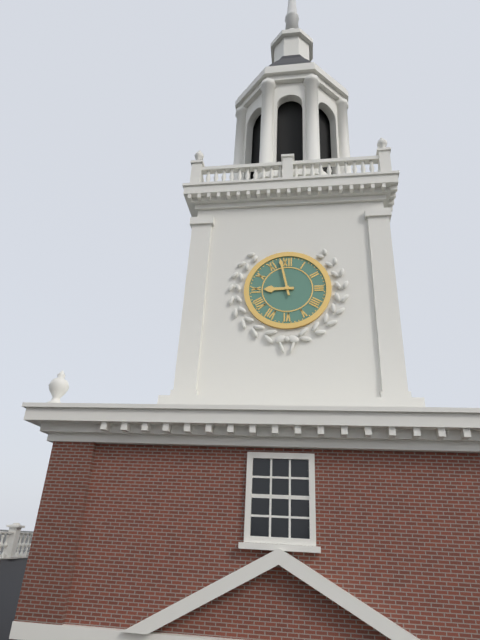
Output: 8h58
